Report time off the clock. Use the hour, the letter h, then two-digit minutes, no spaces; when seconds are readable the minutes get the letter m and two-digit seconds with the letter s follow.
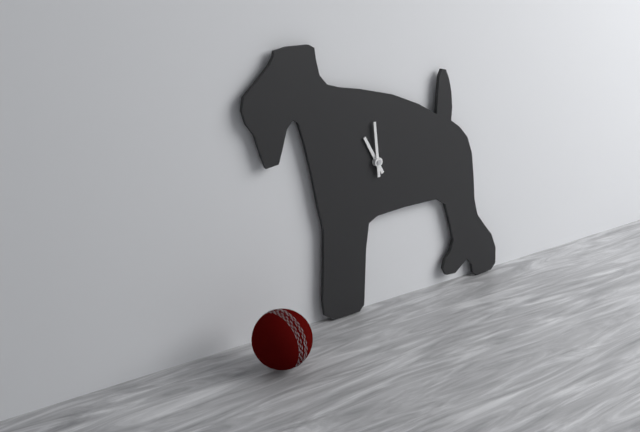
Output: 10h59
